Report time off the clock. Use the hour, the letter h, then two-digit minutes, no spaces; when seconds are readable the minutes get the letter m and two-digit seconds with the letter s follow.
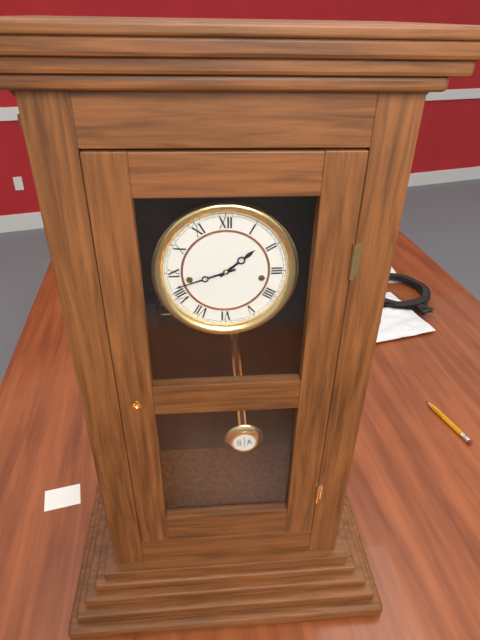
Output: 1h42
